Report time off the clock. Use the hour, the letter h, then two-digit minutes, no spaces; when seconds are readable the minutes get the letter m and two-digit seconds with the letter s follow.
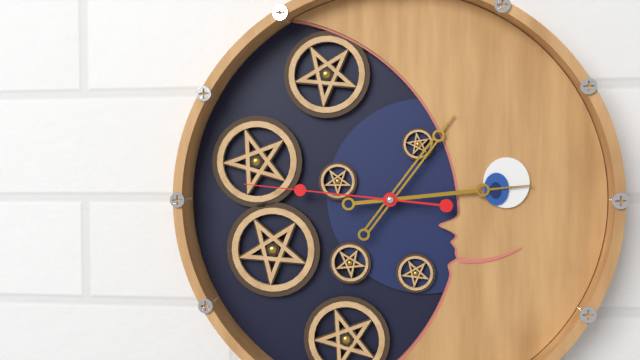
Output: 1h14m46s
